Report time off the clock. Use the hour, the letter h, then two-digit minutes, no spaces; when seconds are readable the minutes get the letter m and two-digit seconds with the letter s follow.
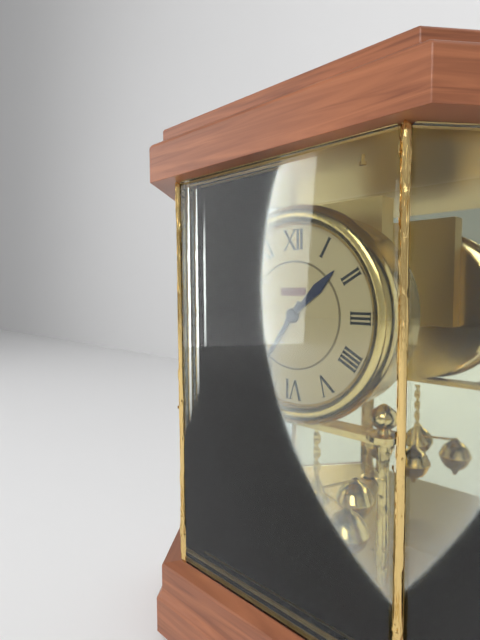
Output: 1h36
